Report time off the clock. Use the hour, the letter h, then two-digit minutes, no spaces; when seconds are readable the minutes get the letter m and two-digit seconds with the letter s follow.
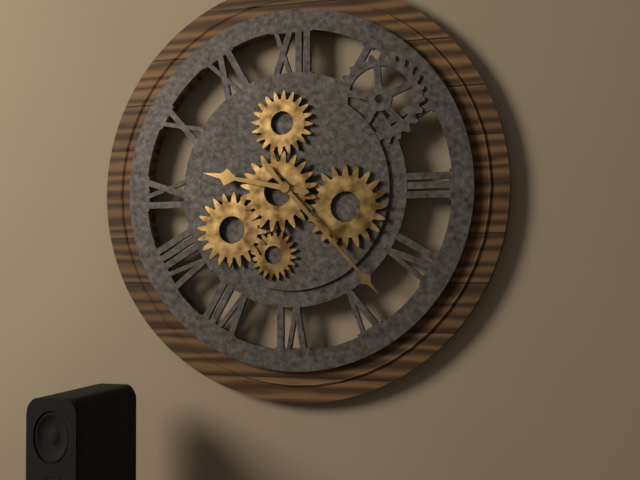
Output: 9h23
